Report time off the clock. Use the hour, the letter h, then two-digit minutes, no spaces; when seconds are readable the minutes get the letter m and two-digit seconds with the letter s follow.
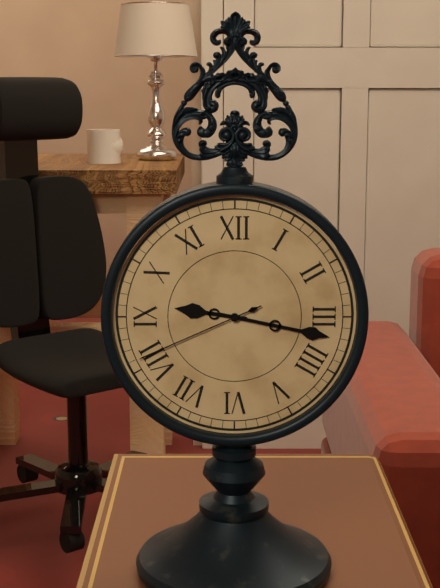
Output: 9h17m41s
